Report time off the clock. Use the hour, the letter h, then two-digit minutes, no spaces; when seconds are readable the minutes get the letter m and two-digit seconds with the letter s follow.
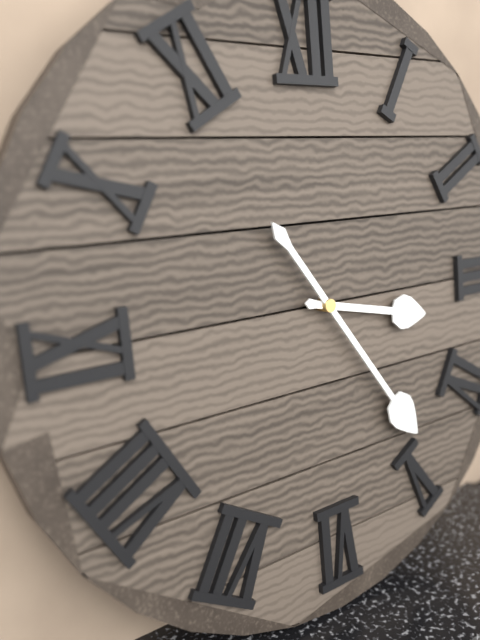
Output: 3h24
